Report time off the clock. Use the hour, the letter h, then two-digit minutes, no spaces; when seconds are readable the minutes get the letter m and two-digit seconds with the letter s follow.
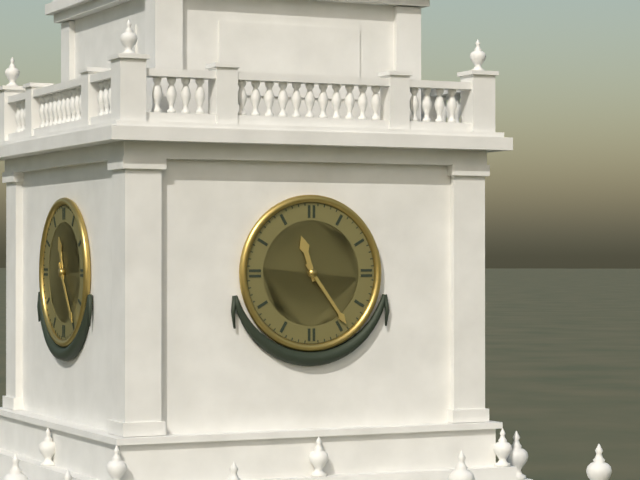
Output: 11h24
